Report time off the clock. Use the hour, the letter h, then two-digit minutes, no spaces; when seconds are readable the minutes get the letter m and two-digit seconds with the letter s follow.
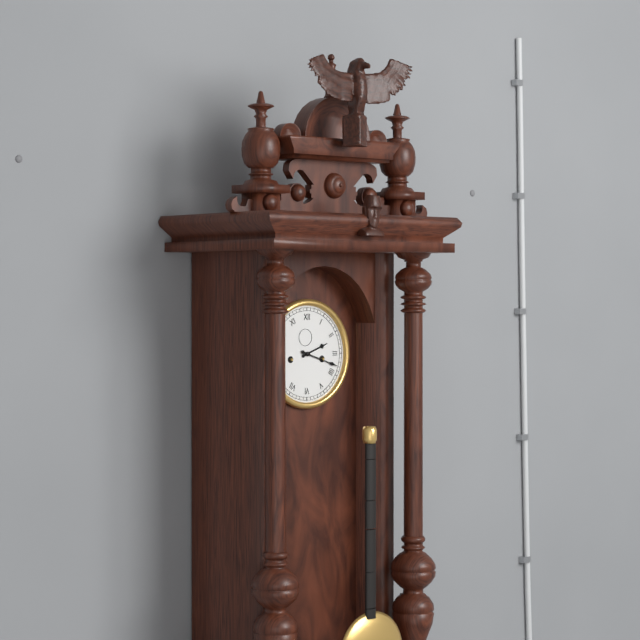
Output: 2h18
